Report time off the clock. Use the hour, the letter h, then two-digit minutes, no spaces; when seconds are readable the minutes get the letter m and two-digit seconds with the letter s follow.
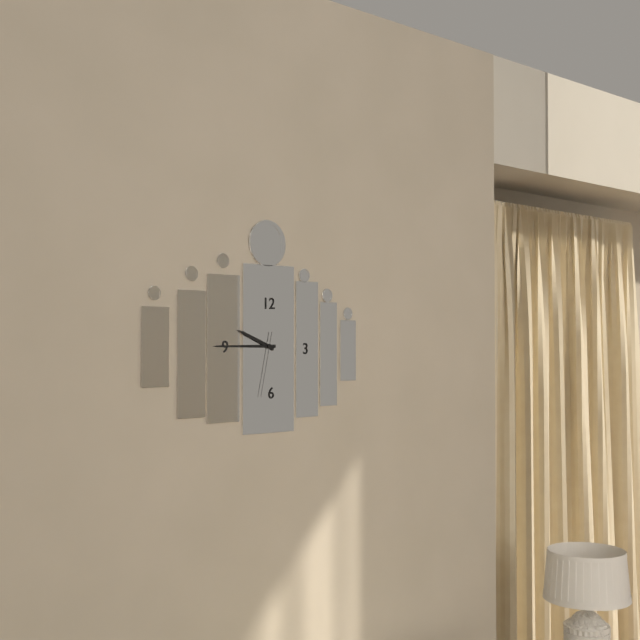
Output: 9h45m32s
